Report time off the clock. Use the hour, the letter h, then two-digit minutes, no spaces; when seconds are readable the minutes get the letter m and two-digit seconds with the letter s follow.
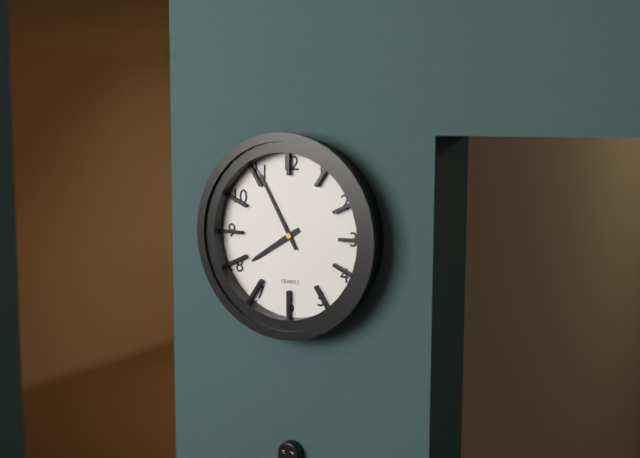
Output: 7h55
